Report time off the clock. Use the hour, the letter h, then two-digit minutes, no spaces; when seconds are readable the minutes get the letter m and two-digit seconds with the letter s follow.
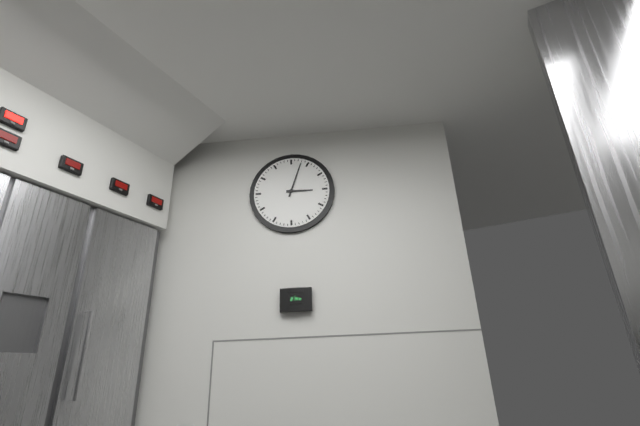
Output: 3h03
